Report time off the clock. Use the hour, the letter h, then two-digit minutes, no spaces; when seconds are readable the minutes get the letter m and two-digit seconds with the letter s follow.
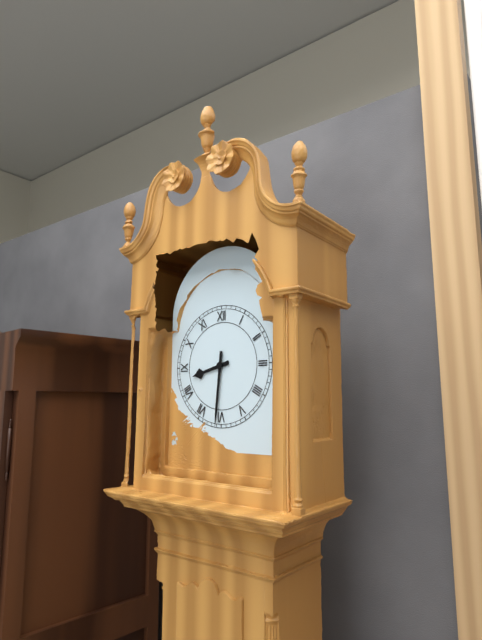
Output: 8h31
